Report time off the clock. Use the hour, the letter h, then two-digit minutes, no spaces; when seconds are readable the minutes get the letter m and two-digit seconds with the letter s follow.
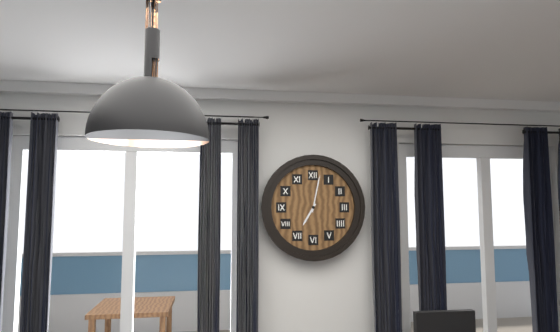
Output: 7h02
